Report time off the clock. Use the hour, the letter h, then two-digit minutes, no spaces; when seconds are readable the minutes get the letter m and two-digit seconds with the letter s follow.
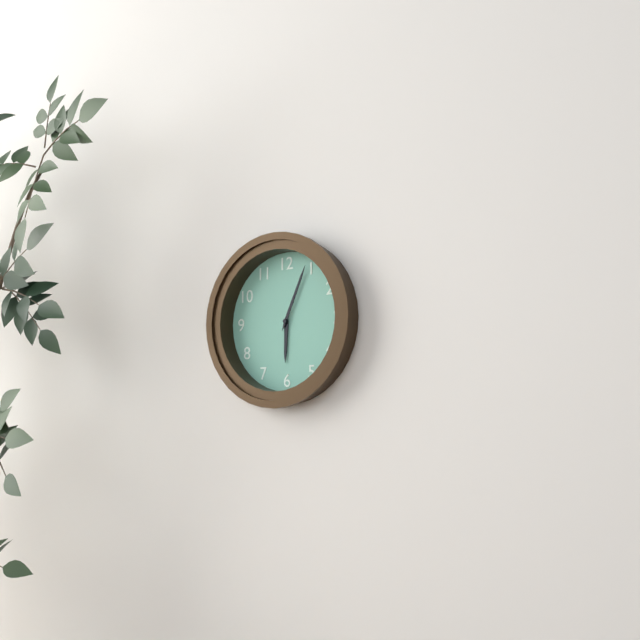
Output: 6h04
